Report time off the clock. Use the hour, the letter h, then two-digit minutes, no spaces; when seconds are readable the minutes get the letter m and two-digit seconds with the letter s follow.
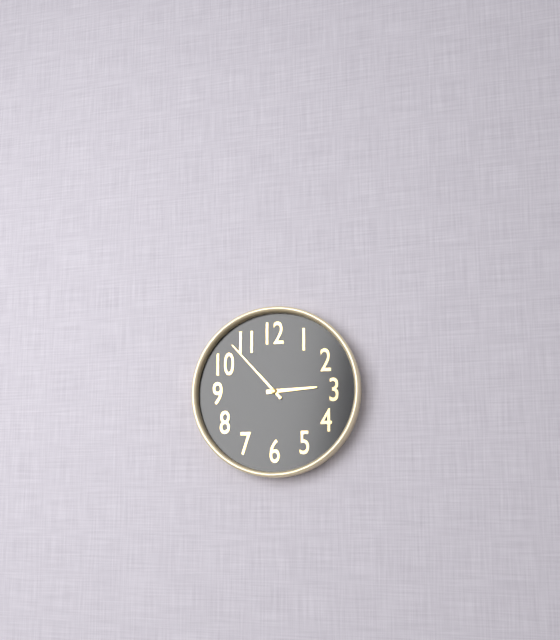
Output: 2h53
